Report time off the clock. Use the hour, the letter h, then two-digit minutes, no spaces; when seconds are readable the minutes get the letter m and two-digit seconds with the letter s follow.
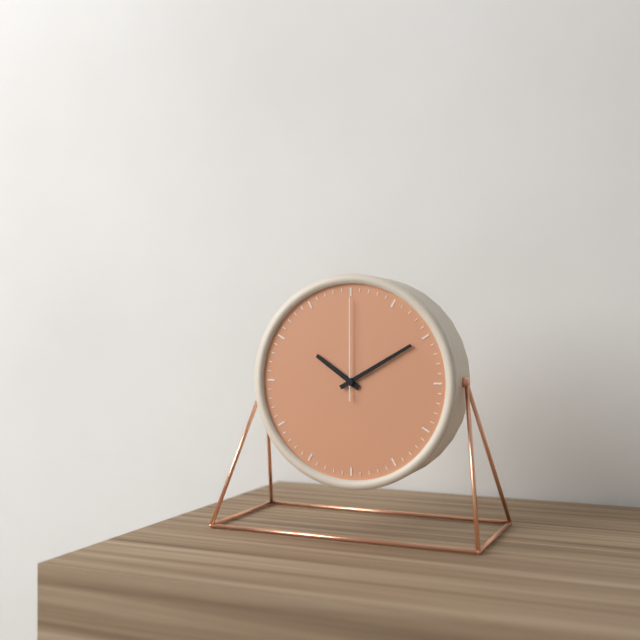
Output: 10h10m00s
